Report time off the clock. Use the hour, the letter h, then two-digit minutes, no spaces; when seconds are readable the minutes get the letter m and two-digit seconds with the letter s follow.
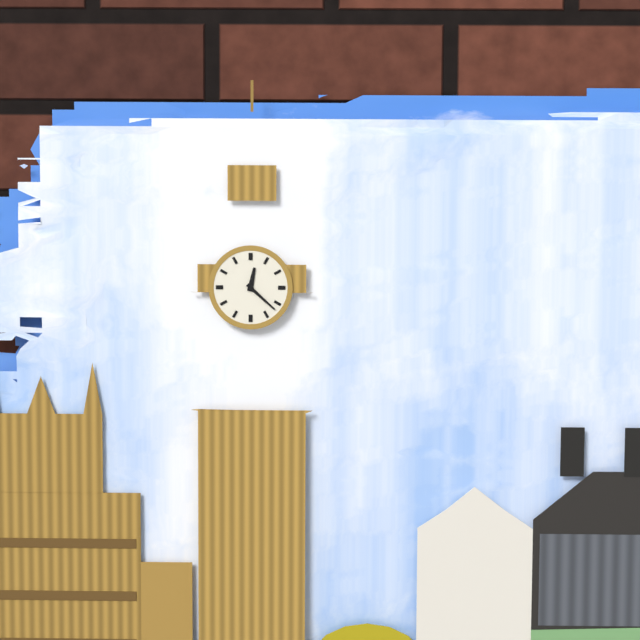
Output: 12h22
